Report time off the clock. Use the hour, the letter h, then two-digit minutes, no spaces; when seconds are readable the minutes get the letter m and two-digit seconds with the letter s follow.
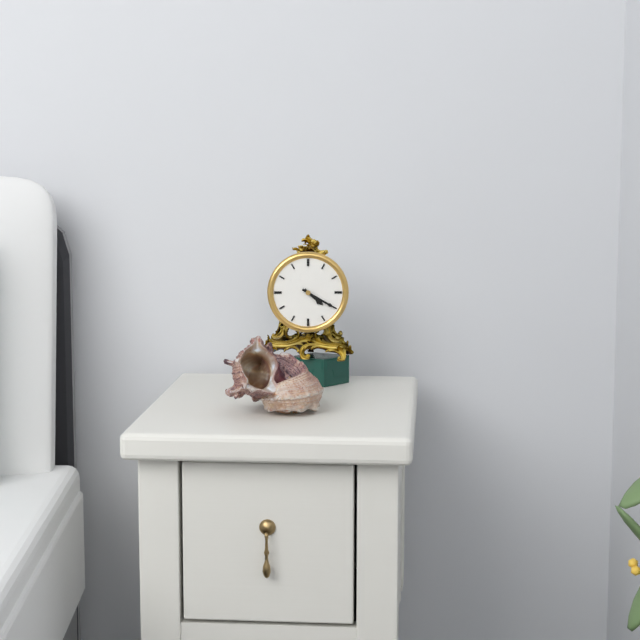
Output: 4h20
